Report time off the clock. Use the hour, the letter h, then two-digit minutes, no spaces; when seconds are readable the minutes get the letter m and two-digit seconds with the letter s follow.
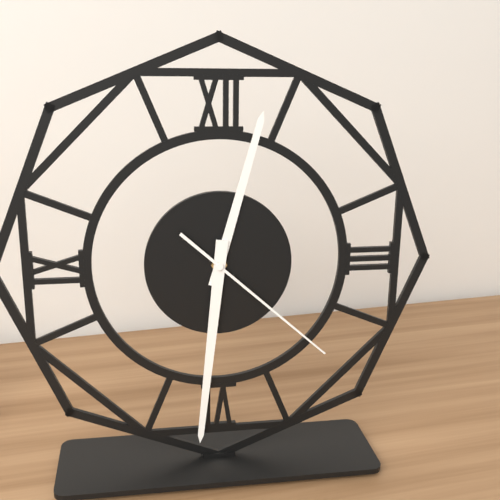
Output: 12h31m22s
